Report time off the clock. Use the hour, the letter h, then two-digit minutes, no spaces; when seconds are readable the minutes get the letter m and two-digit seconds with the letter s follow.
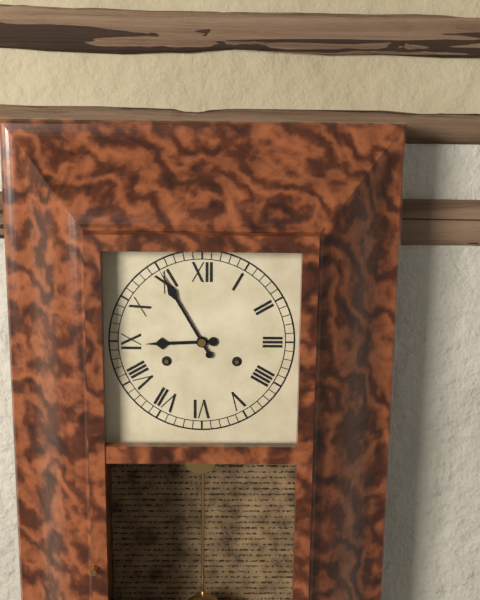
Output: 8h55
